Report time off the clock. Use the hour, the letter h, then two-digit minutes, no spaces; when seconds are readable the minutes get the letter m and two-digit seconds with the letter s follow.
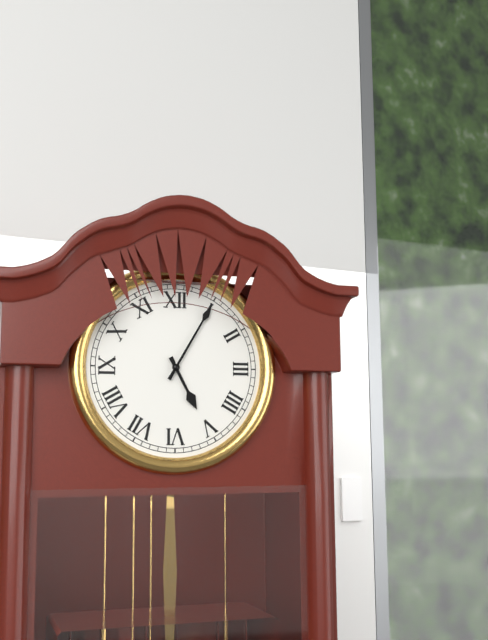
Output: 5h05
